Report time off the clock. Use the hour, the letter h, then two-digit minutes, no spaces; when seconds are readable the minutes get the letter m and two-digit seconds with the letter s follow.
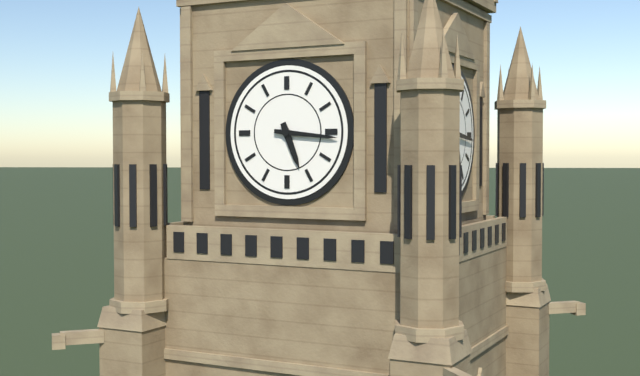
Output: 5h16
